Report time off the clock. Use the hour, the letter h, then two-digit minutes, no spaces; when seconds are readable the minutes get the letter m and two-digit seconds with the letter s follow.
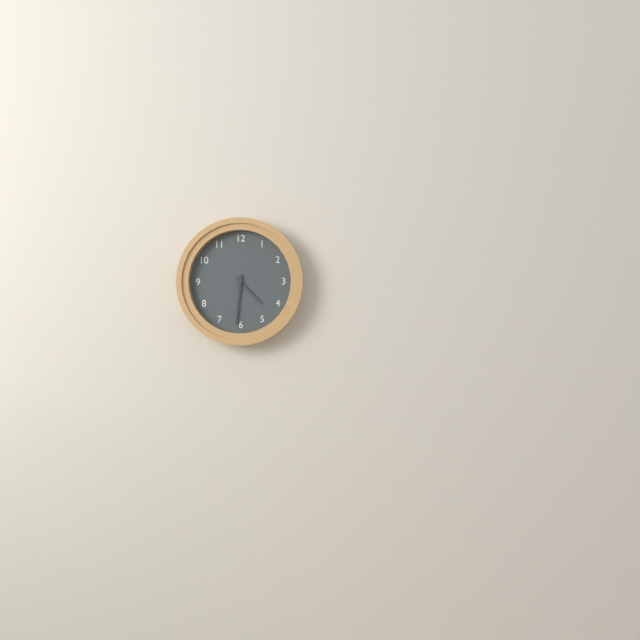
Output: 4h31
